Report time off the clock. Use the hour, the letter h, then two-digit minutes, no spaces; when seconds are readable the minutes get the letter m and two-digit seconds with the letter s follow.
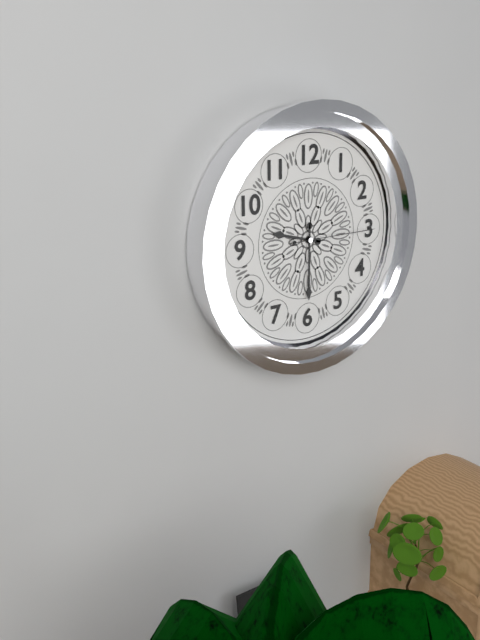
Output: 9h30m15s
